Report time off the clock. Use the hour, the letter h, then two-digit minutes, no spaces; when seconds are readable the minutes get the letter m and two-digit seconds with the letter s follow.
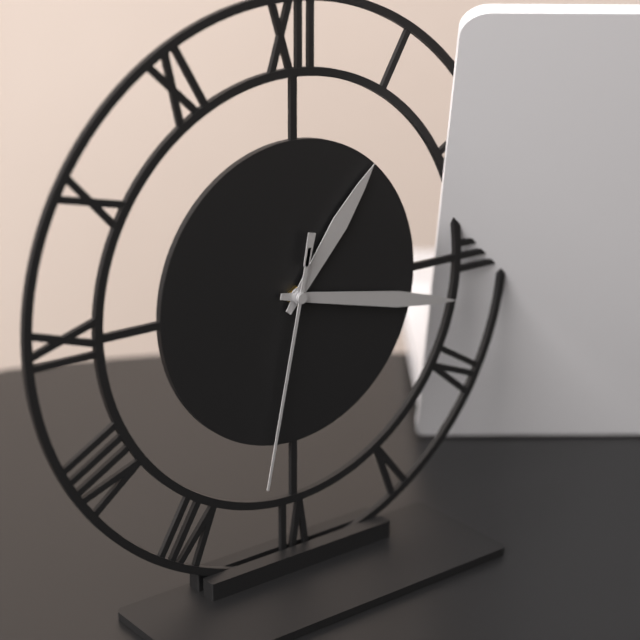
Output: 1h17m32s
